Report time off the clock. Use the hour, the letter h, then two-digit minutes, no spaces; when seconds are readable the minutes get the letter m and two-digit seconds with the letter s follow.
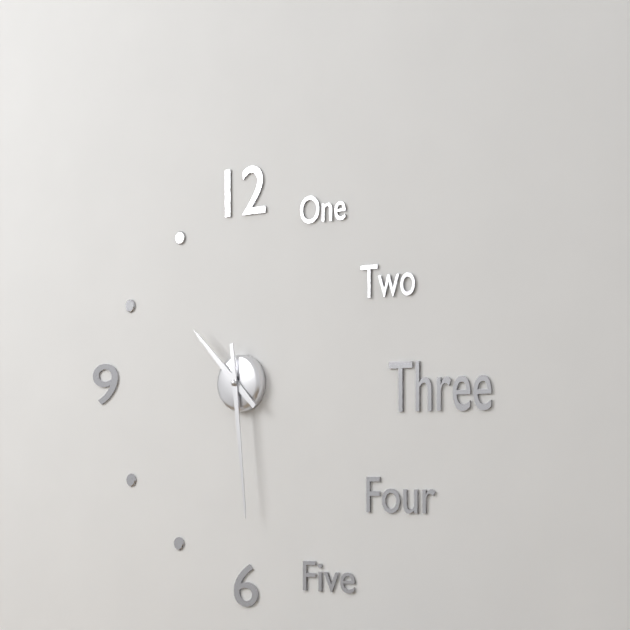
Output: 10h29
